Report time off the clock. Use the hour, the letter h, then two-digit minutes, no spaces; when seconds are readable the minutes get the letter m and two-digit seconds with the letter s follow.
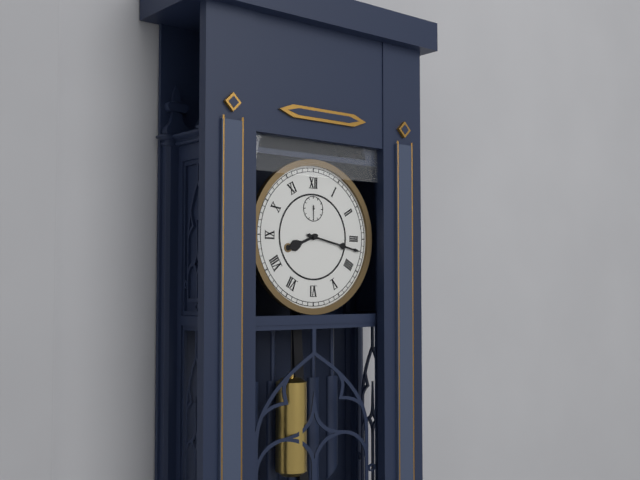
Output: 8h17
